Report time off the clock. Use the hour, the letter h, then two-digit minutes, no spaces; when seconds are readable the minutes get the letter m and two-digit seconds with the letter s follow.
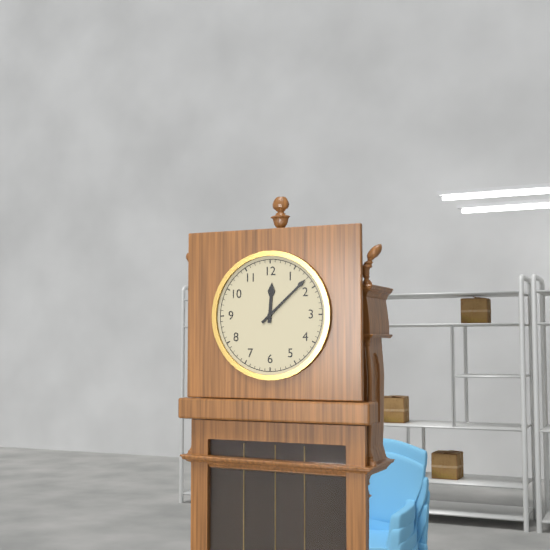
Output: 12h08
